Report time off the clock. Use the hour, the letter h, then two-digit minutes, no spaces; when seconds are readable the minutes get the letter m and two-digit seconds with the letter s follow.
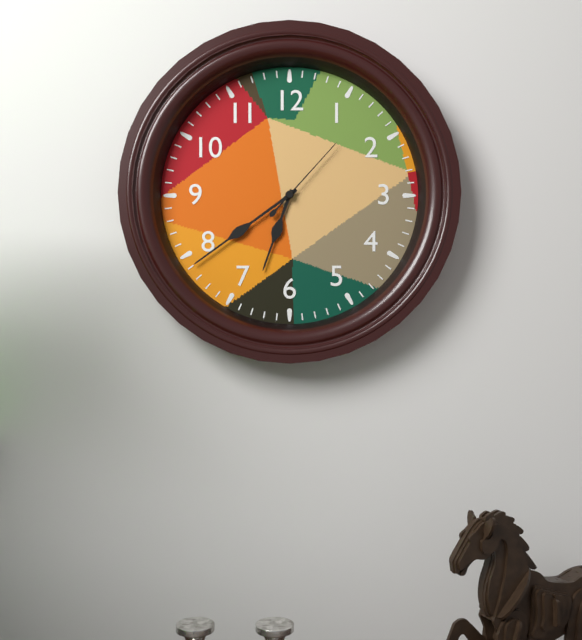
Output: 6h39m07s
